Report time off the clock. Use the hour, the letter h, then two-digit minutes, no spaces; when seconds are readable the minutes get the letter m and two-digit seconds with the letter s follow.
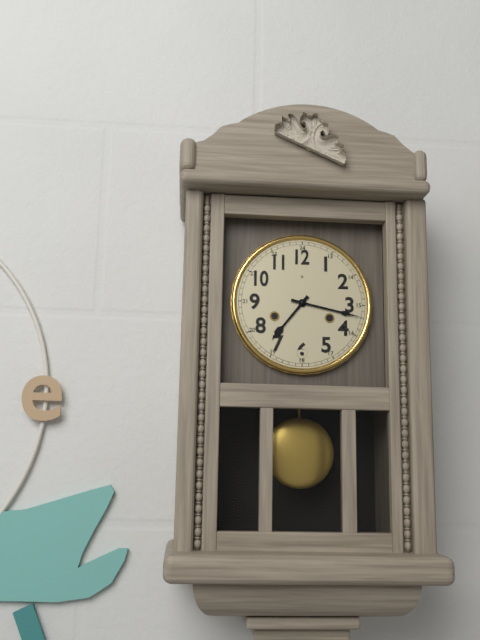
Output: 7h17
